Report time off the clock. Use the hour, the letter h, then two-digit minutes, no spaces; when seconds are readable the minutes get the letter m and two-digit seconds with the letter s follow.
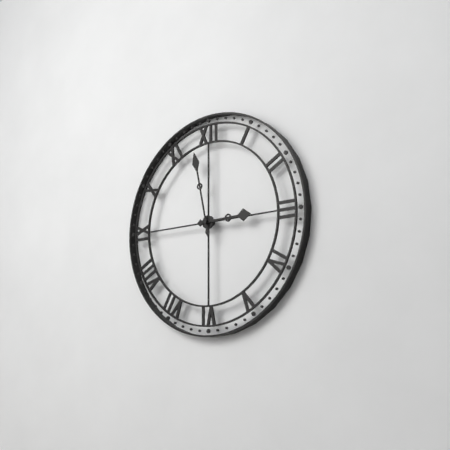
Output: 2h58
